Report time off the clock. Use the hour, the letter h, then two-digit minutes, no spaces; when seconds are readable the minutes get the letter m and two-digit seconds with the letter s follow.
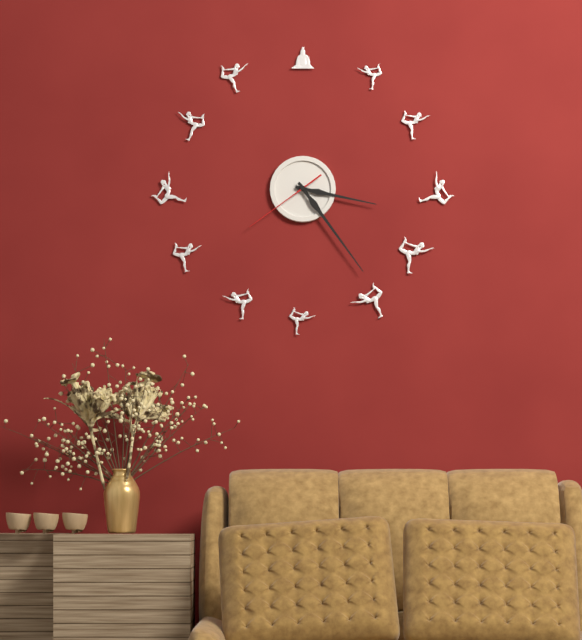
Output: 3h24m39s
